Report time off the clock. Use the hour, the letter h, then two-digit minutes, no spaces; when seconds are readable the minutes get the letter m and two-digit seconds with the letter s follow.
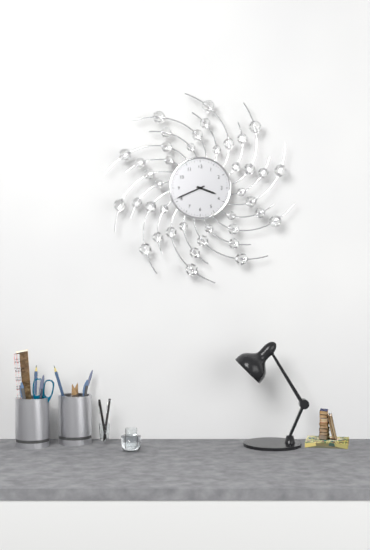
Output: 3h41
